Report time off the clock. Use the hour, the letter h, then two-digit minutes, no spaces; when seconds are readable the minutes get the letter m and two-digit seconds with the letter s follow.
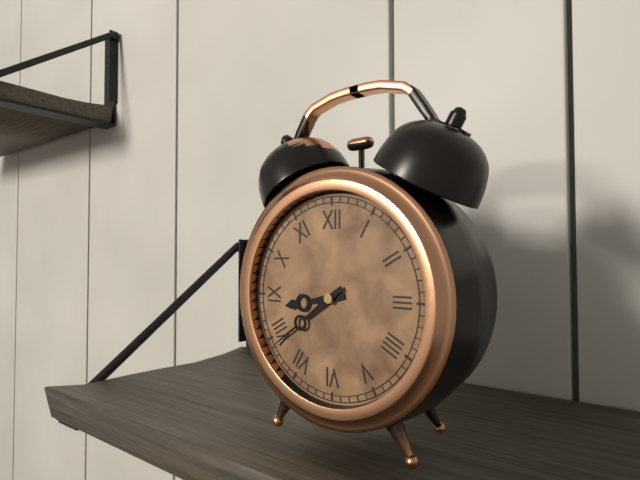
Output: 8h39
